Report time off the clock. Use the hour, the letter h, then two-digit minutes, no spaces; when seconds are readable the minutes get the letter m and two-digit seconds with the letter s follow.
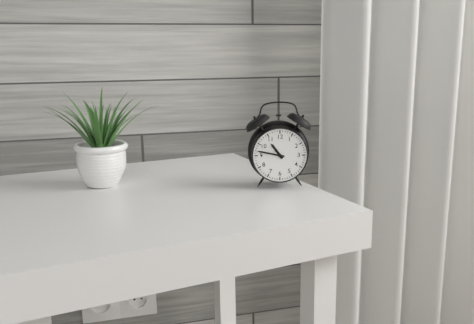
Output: 10h47
